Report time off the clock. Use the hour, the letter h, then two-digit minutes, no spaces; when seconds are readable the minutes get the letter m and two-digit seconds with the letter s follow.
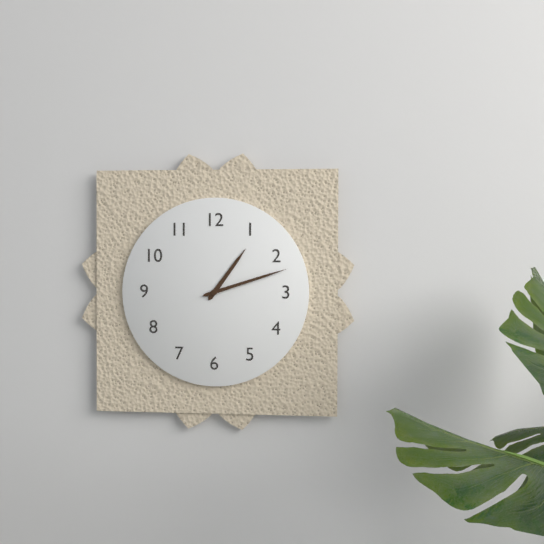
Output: 1h12
